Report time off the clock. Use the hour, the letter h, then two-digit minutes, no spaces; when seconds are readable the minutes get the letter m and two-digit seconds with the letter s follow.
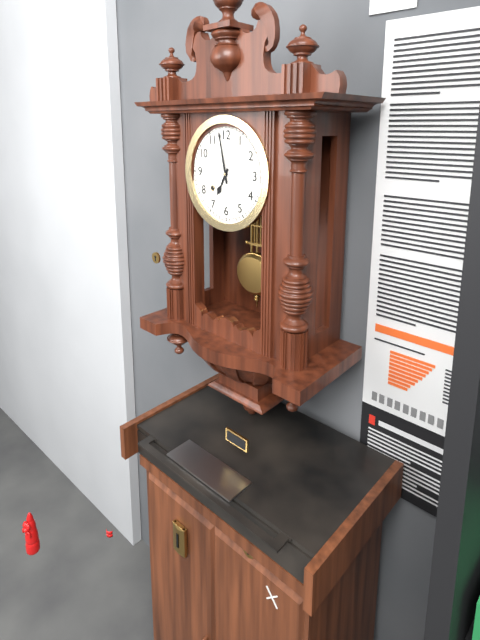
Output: 6h58
